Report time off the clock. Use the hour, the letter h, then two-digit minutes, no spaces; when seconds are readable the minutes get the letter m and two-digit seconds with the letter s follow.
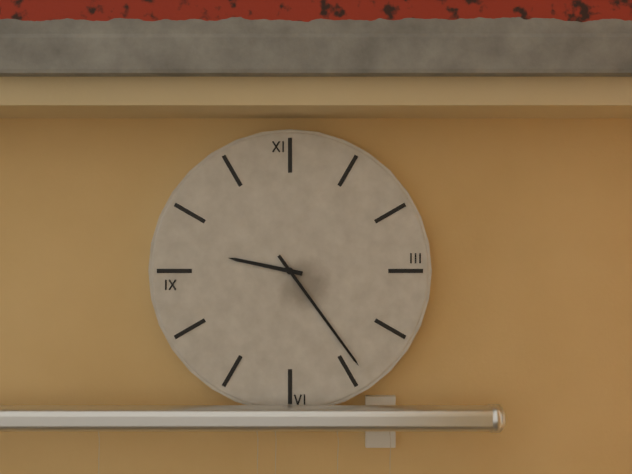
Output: 9h24
